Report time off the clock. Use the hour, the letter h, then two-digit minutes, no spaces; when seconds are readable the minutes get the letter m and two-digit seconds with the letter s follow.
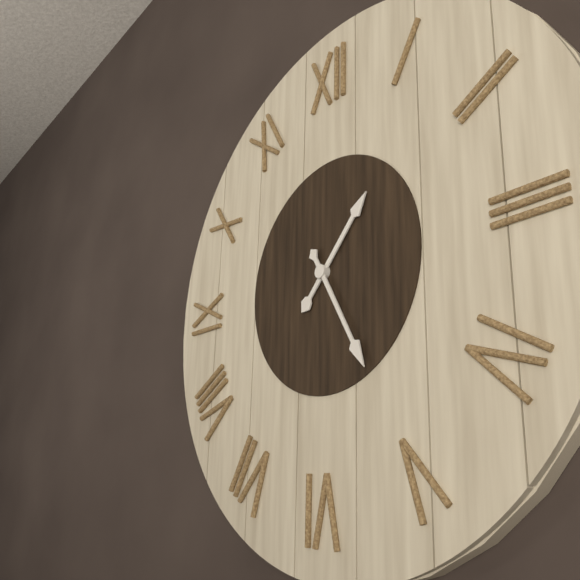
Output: 1h25
